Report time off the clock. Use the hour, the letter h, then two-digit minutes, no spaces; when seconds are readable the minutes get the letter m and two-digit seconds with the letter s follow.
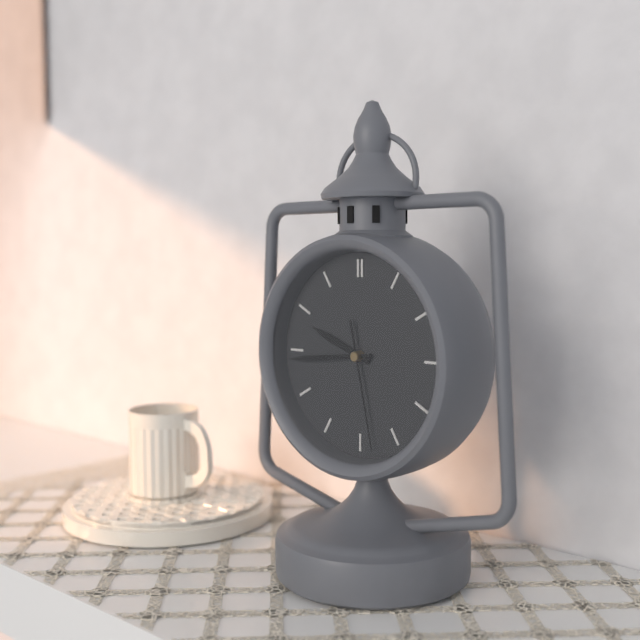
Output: 9h44m28s
